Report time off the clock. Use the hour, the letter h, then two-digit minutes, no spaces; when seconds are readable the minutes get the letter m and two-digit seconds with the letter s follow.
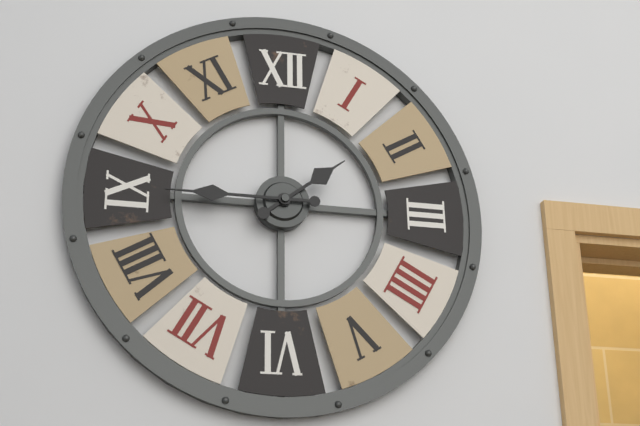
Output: 1h45
